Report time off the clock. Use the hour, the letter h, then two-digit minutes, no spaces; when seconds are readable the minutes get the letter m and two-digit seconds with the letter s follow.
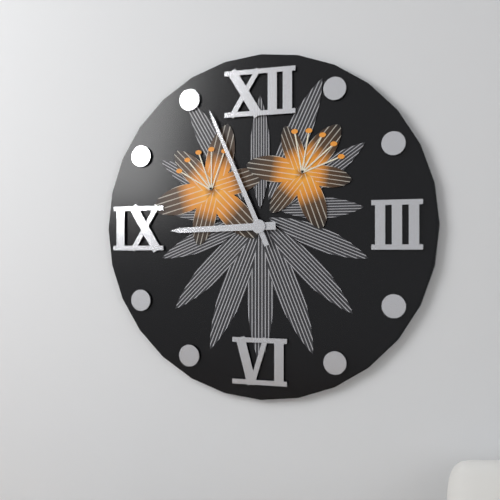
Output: 8h56
